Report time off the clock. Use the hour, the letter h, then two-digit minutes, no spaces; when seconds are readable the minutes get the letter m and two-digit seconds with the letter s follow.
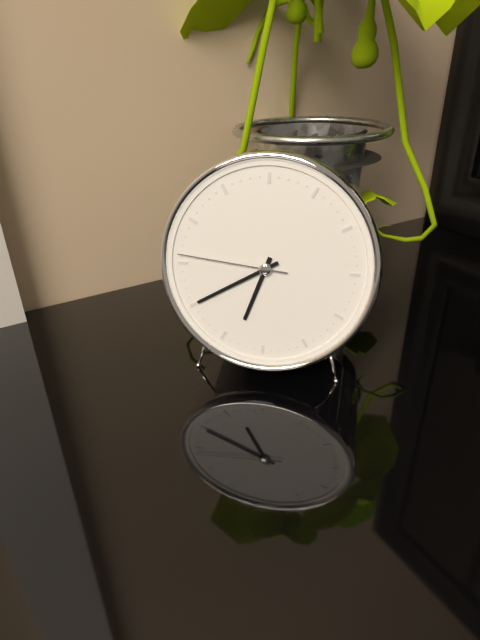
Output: 6h40m46s
